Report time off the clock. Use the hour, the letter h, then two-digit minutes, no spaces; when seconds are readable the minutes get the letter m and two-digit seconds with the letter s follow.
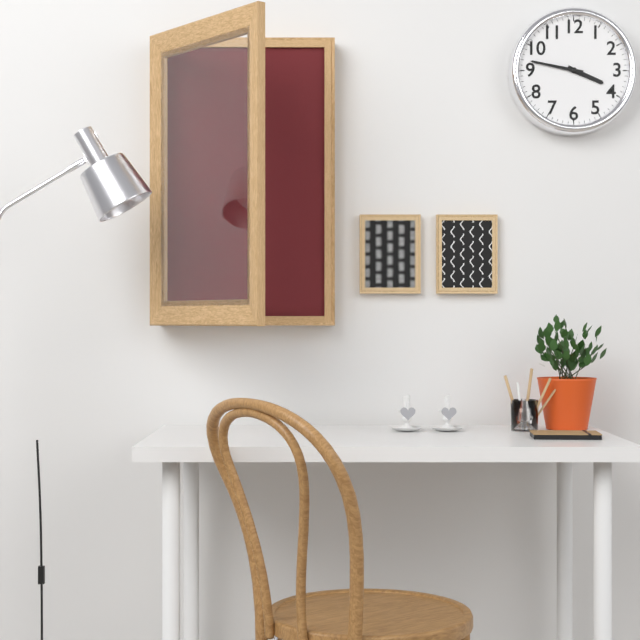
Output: 3h47
